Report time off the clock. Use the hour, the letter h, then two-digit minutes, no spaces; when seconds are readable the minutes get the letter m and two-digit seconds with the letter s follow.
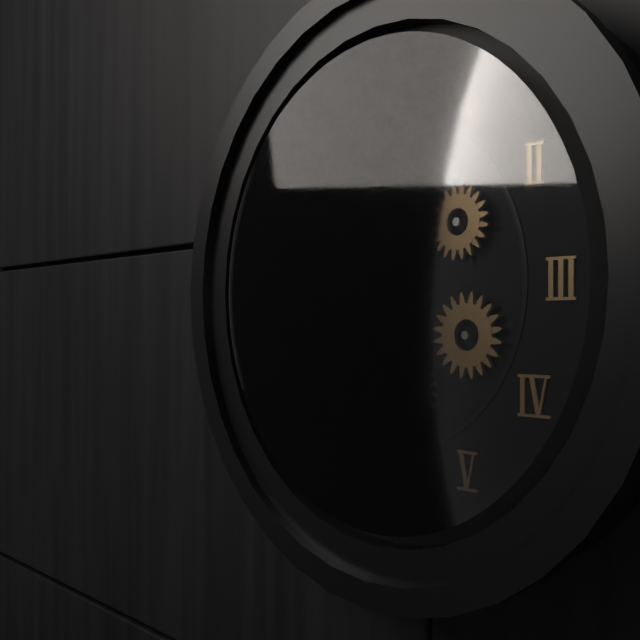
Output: 7h30
